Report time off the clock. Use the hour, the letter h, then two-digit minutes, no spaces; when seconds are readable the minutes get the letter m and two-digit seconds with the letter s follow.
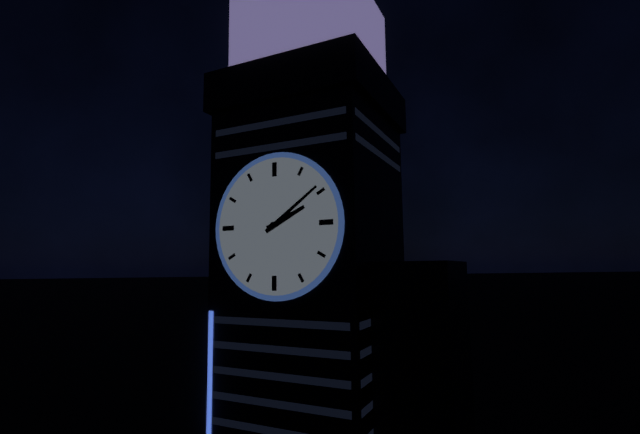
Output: 2h09
